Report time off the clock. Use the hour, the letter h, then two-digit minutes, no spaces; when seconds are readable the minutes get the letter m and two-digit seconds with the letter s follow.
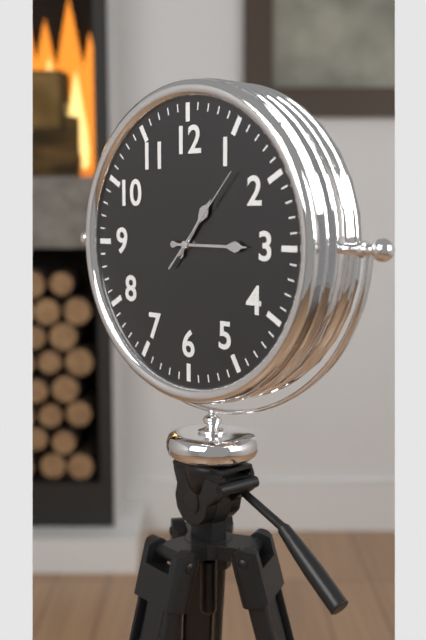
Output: 1h15m07s
